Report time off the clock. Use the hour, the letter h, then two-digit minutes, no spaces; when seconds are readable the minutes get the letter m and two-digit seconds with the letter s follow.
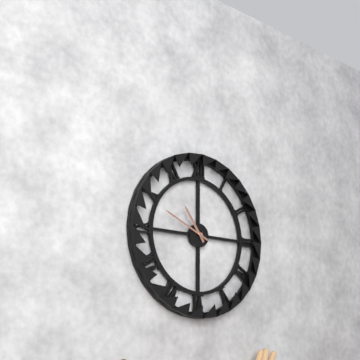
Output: 10h49
